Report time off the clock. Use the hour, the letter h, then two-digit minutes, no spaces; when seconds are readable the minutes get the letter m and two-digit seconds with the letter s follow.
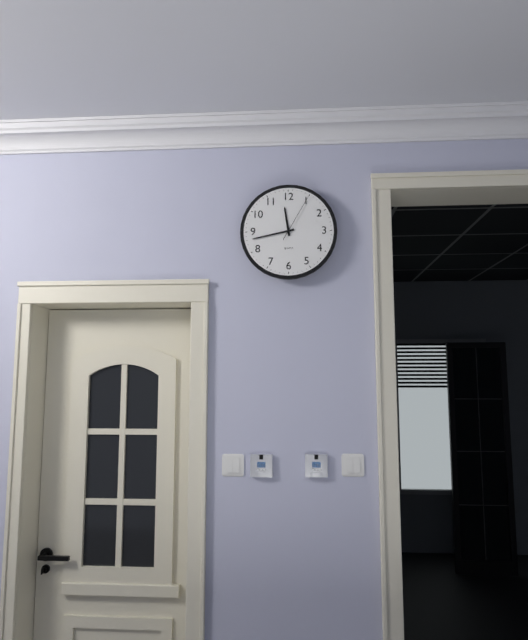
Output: 11h43
